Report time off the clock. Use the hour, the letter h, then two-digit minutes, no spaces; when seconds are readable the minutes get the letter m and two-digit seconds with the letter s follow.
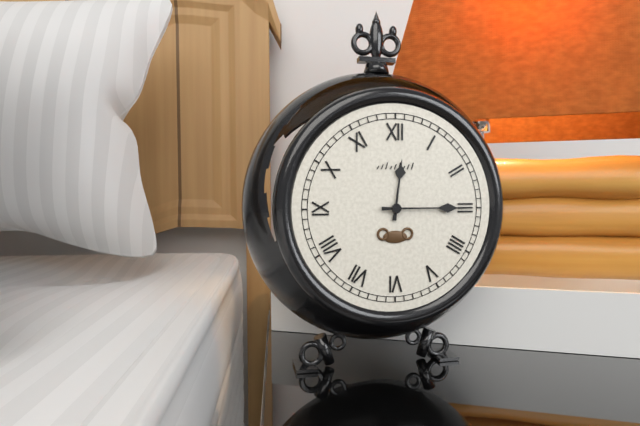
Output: 12h15
